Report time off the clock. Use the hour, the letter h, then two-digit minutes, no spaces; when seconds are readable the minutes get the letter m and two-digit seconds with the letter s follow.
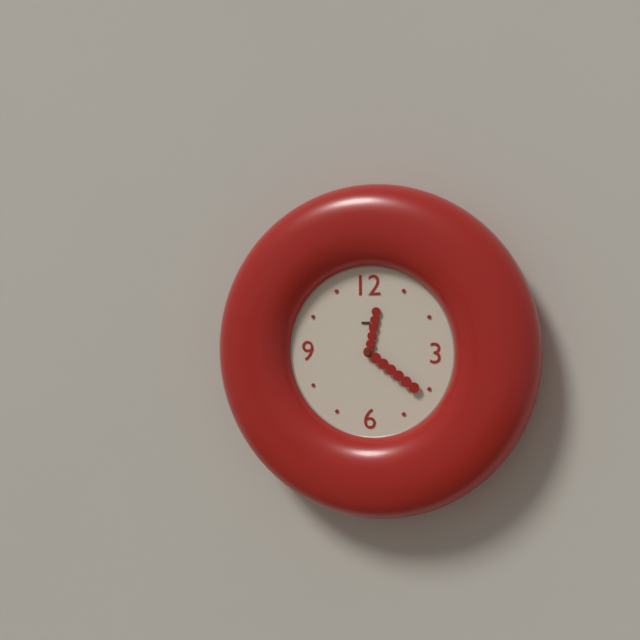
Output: 12h21
